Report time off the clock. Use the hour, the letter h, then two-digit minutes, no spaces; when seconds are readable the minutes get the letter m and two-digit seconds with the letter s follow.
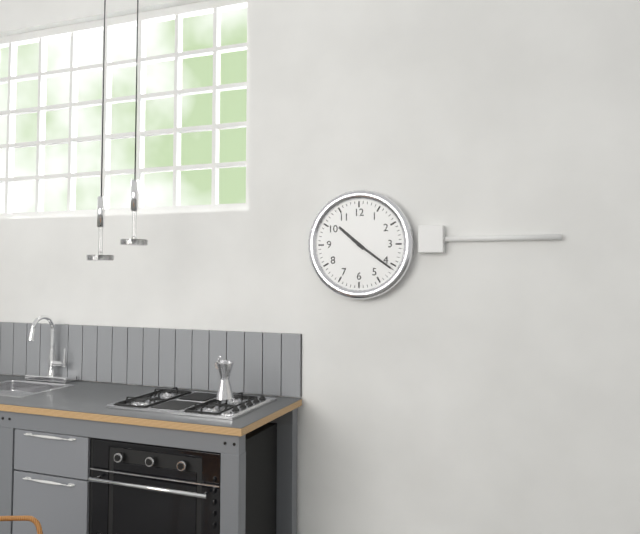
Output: 10h21
